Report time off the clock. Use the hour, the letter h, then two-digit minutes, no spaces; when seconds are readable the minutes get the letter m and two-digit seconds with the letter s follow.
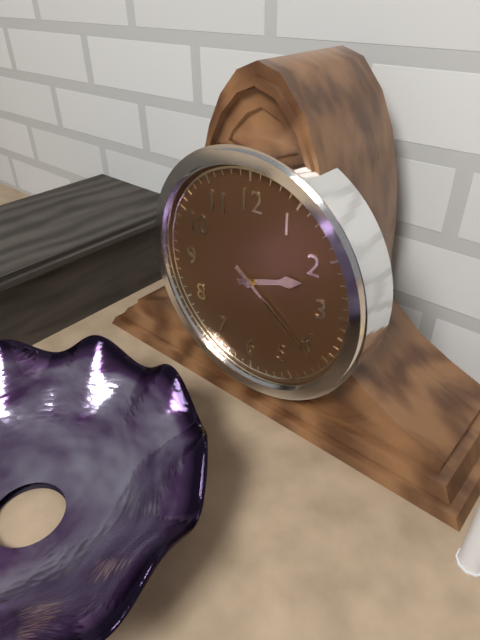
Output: 2h21
